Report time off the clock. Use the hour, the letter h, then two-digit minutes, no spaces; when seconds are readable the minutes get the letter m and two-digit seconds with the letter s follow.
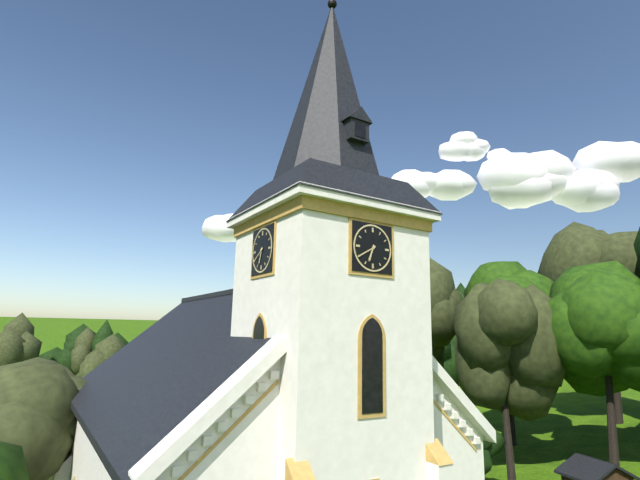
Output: 6h40
